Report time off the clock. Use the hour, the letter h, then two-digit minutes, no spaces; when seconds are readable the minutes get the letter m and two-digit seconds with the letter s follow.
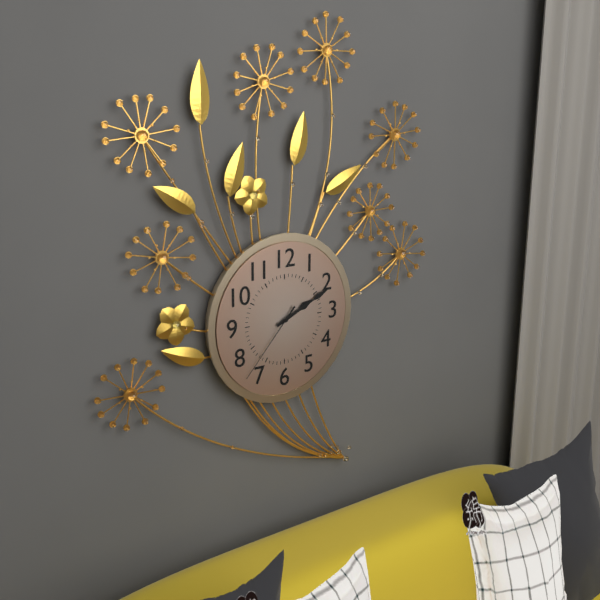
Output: 2h11m37s
